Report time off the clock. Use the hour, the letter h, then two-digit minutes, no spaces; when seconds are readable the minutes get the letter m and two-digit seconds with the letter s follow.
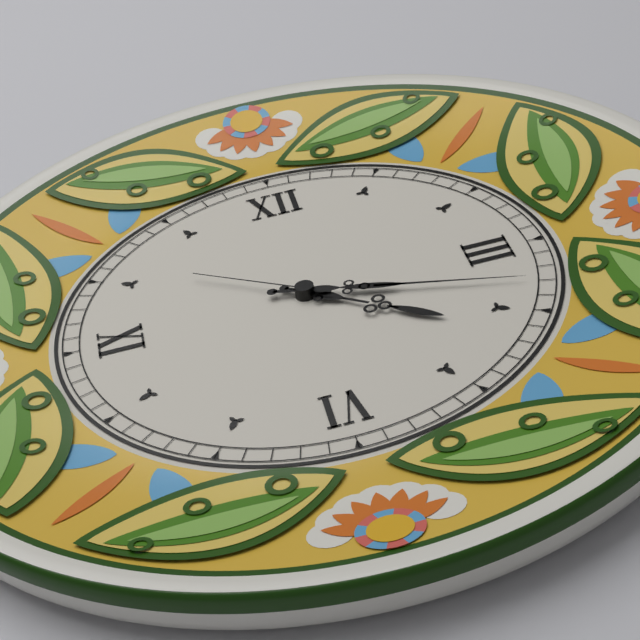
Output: 4h18m51s
